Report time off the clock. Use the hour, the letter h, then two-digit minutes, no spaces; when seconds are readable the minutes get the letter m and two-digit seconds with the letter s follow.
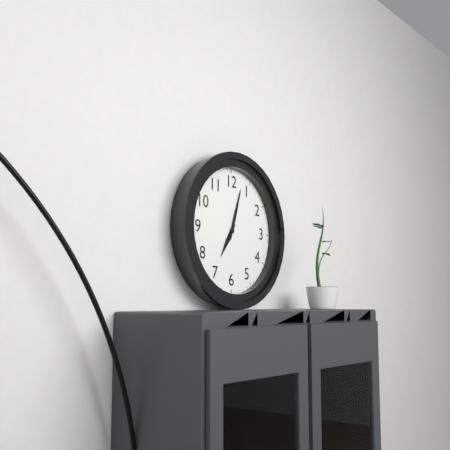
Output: 7h03
